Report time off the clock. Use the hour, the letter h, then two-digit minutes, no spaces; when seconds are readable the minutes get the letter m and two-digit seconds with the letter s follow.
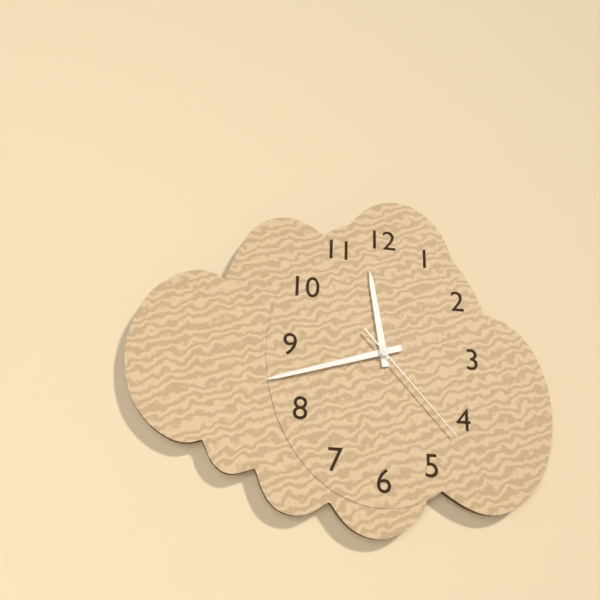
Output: 11h42m23s
